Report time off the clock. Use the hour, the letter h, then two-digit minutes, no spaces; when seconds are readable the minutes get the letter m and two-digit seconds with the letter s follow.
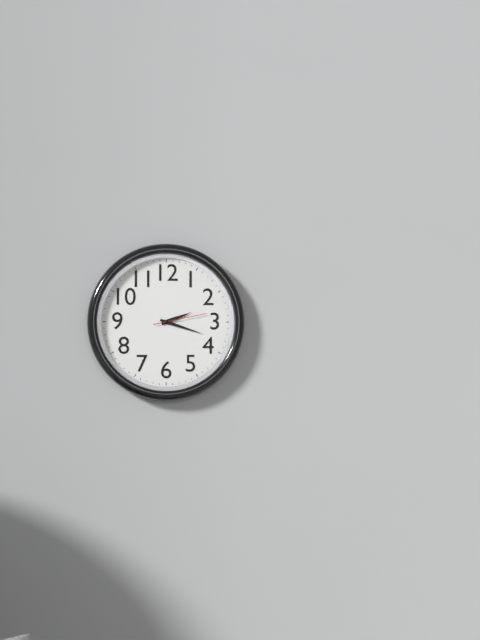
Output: 2h18m13s
